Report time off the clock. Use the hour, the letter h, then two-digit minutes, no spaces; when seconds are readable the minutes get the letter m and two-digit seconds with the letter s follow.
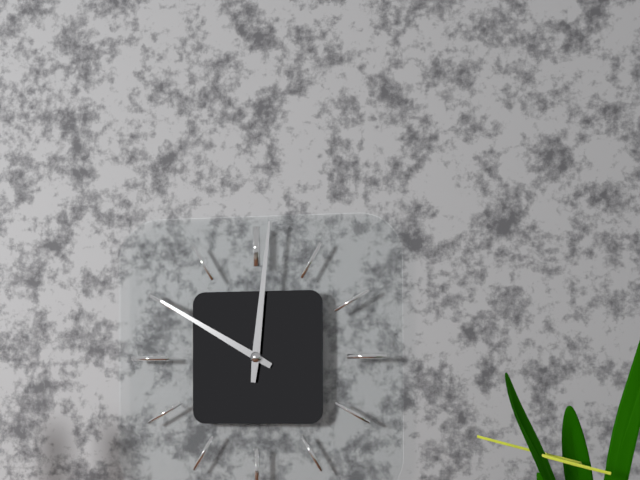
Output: 10h01
